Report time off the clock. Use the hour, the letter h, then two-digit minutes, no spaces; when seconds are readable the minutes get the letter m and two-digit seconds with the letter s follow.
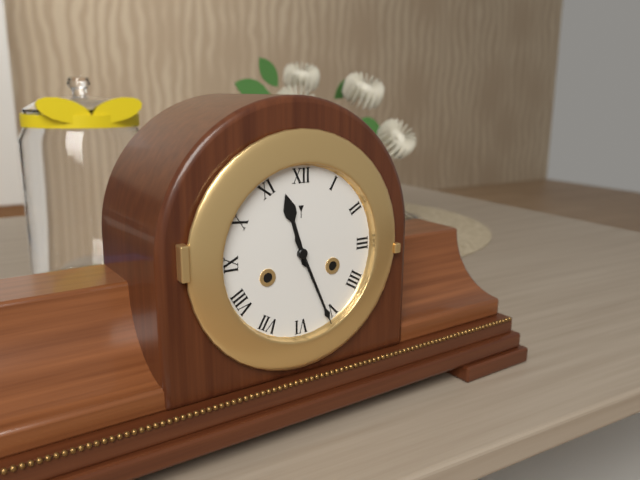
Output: 11h26
